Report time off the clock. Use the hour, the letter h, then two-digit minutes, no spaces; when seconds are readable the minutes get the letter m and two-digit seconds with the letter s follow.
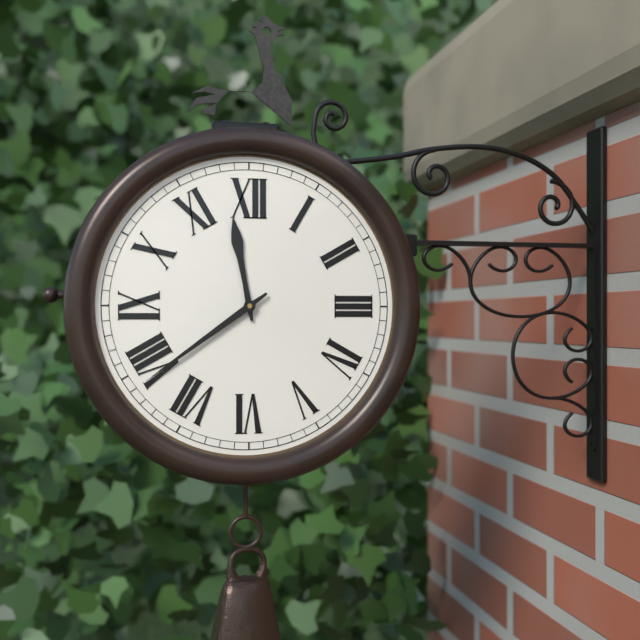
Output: 11h39
